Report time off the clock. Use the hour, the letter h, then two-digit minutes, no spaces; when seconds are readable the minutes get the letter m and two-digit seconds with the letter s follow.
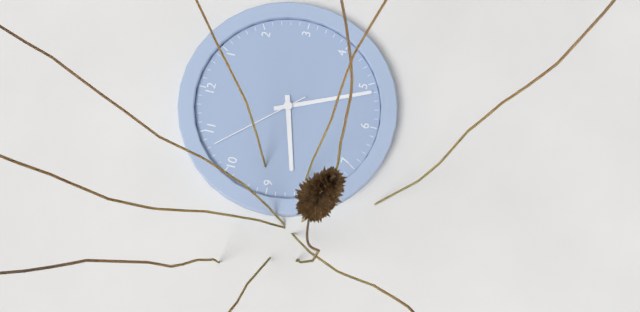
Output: 8h26m53s
